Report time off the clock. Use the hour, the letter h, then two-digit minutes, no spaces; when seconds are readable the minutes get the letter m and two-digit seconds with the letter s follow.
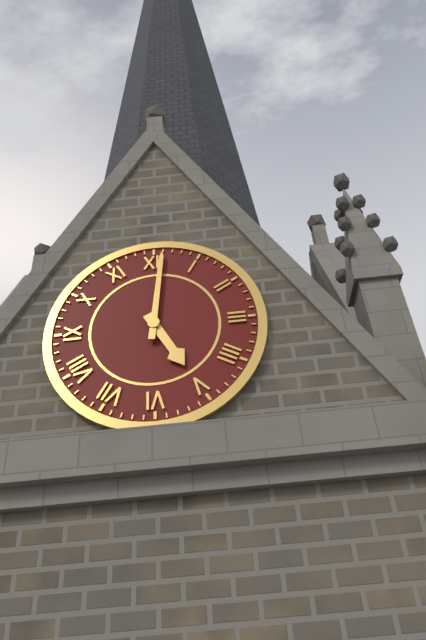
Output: 5h01
